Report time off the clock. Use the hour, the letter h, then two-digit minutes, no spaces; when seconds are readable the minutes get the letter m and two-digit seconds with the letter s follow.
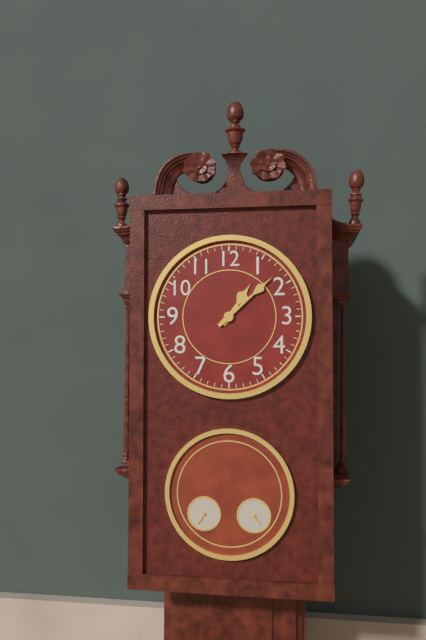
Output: 1h08
